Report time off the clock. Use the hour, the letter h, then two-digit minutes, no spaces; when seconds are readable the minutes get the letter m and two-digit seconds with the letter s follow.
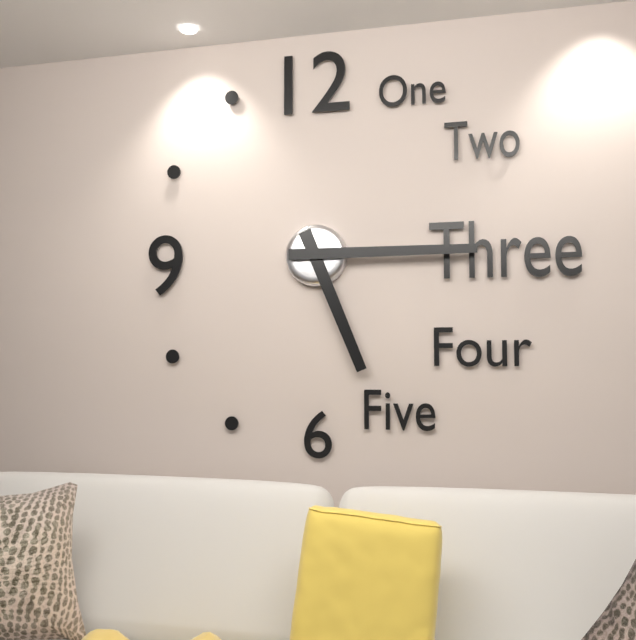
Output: 5h15
